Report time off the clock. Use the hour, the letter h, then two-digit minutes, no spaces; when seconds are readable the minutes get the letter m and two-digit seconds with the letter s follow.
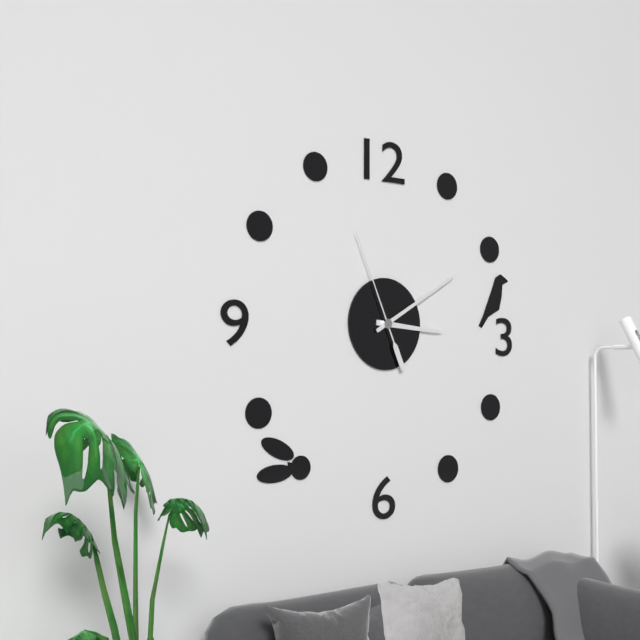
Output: 3h10m56s
